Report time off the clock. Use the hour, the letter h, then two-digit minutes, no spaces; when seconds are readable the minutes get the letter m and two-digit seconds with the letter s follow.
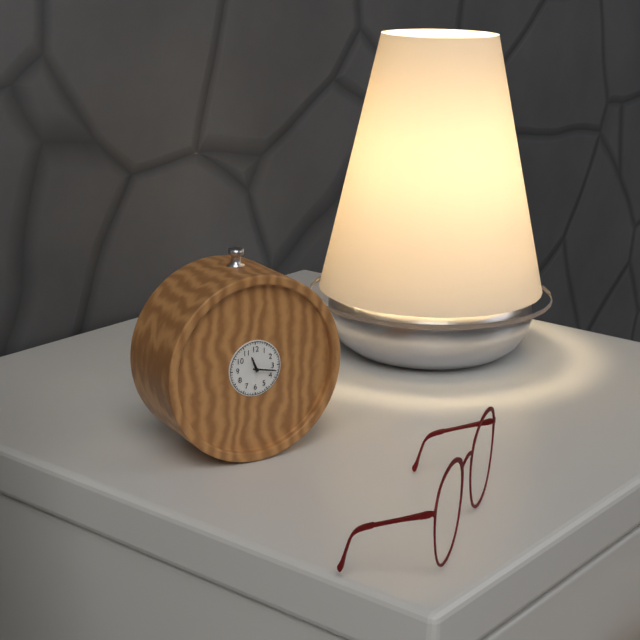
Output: 11h17
